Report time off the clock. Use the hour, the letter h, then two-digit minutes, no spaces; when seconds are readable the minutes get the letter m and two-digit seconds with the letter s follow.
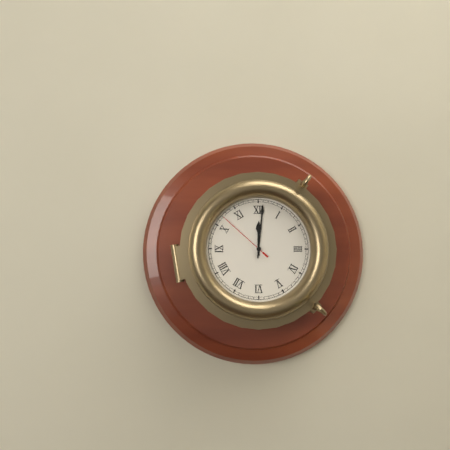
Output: 12h01m52s
